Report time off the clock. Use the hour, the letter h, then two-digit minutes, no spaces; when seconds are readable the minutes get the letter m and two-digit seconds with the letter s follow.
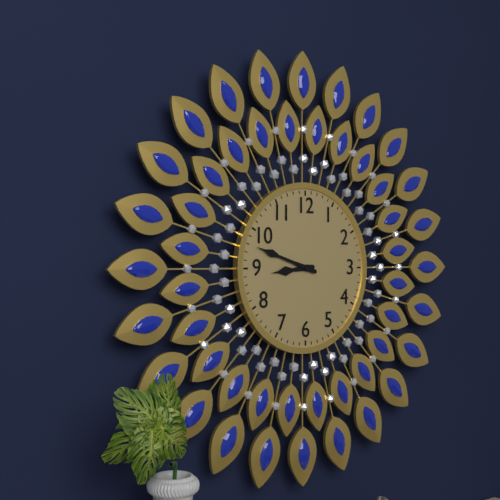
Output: 8h48
